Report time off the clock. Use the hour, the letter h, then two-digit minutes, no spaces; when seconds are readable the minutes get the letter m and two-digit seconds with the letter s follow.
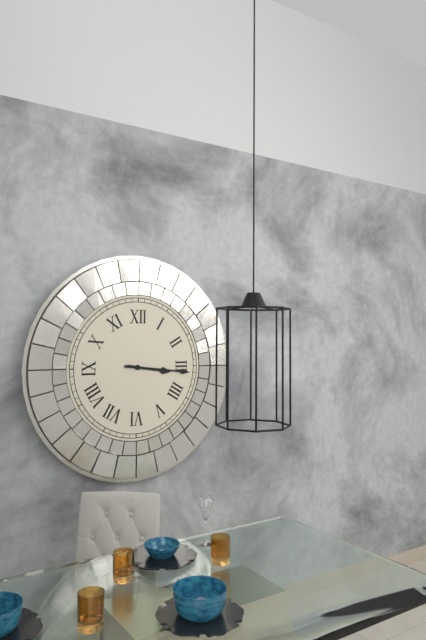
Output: 3h16
